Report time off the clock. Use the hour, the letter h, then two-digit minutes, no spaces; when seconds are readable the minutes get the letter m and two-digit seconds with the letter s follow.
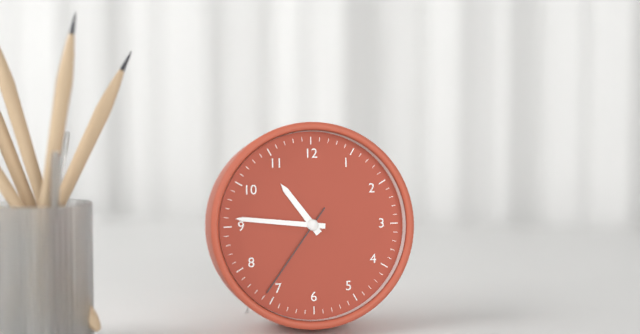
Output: 10h46m36s
